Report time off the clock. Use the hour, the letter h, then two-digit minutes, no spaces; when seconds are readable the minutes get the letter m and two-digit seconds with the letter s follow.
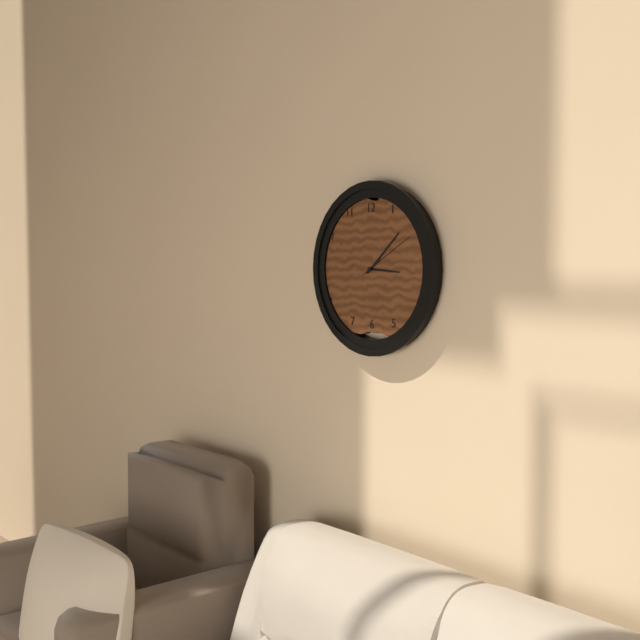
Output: 3h08m10s
